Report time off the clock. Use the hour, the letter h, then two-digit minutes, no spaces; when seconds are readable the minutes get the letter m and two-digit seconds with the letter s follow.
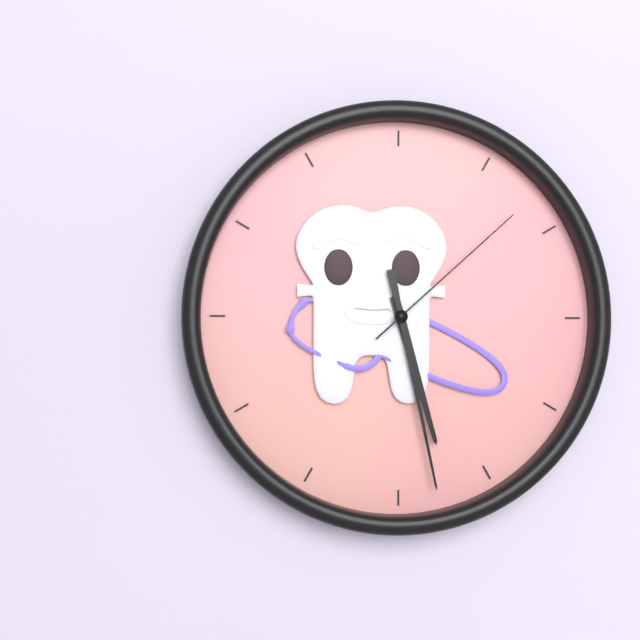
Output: 5h28m08s
